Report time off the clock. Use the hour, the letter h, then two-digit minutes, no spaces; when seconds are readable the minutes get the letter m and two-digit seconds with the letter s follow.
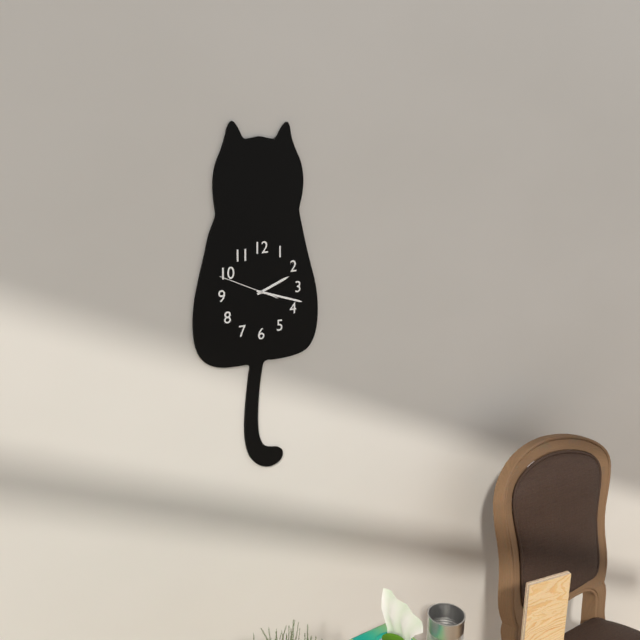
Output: 2h18m49s
